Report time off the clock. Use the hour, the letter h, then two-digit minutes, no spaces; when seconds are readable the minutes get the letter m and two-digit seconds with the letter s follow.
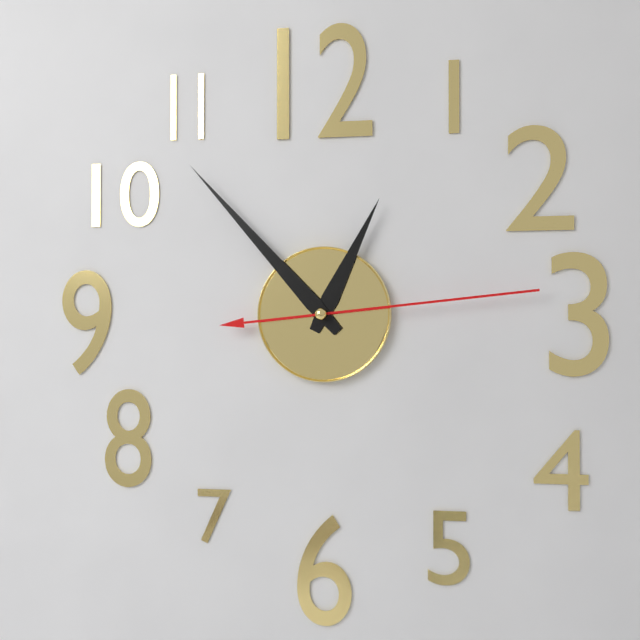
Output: 12h53m14s
